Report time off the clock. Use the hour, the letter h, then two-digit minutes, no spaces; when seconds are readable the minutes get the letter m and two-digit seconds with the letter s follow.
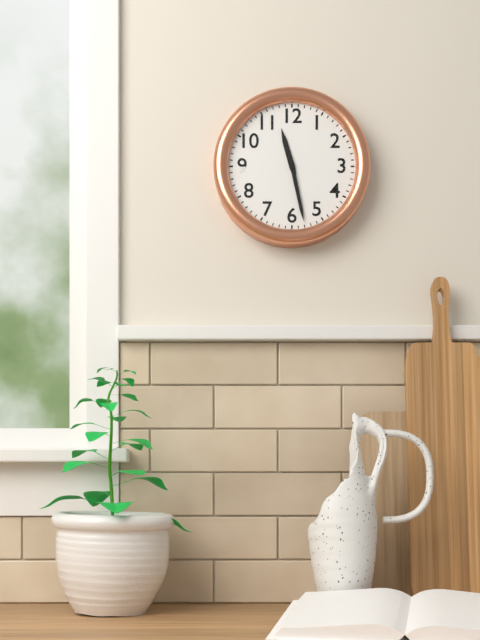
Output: 11h28
